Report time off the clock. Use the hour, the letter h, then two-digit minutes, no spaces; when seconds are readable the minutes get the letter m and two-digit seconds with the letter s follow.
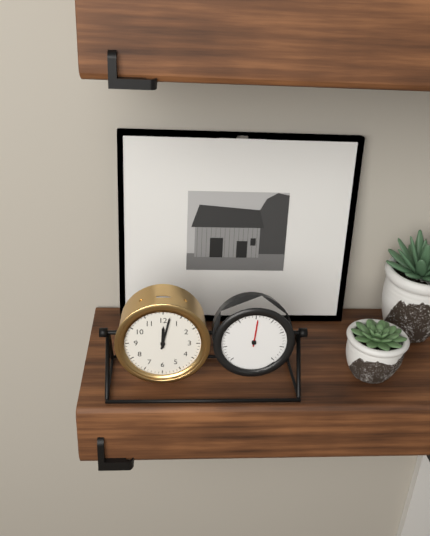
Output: 12h02
